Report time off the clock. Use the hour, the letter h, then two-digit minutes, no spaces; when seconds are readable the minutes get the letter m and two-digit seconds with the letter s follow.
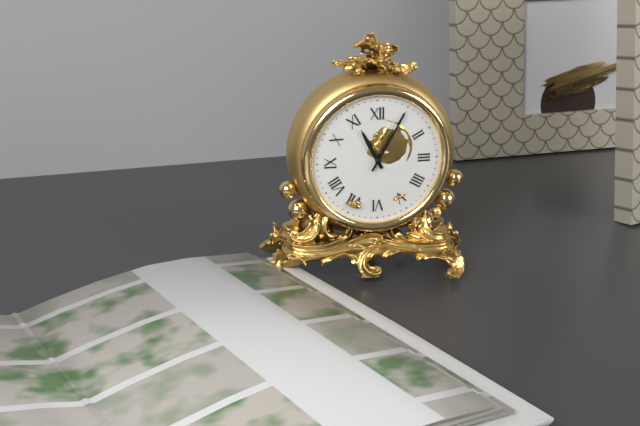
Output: 11h05
